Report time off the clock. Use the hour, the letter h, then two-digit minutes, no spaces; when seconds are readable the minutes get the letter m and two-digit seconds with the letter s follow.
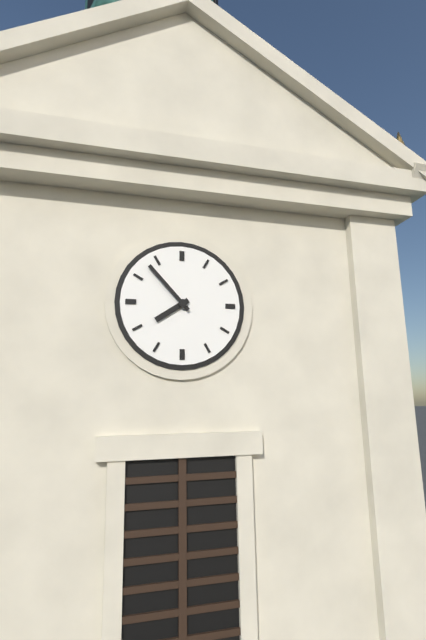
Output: 7h53
